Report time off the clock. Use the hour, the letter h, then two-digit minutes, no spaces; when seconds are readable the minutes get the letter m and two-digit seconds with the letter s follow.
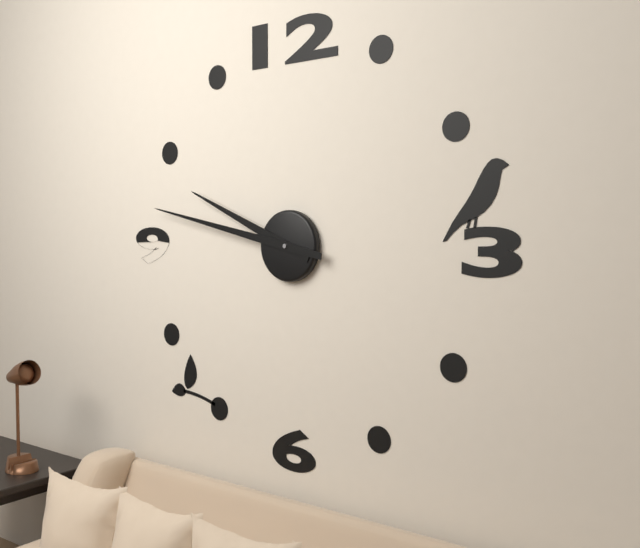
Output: 9h47
